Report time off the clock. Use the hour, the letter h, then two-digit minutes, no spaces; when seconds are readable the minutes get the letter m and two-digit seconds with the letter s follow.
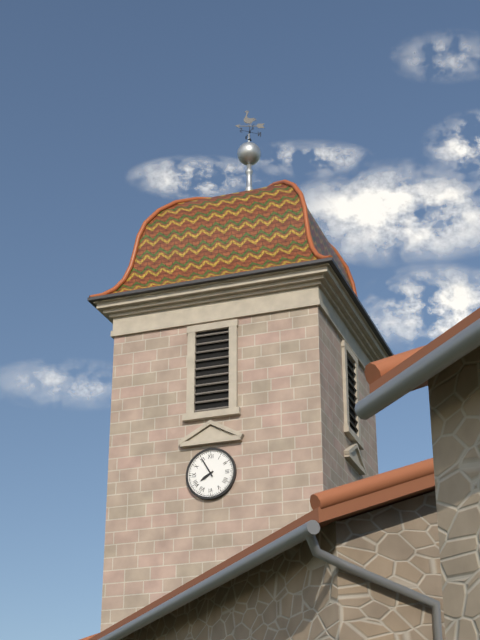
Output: 7h55
